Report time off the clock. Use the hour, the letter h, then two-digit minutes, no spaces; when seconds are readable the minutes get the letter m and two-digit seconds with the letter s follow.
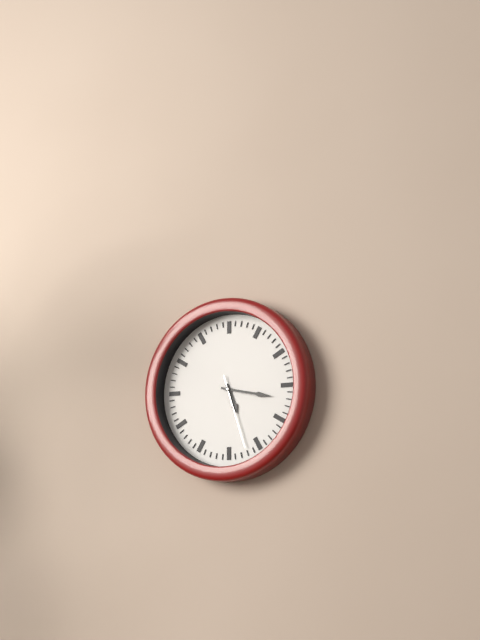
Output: 5h17m27s
